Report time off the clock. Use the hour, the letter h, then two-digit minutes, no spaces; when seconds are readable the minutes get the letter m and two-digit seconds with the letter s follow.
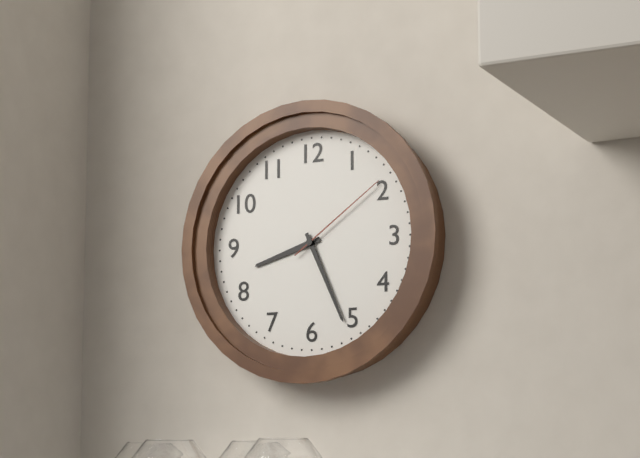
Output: 8h26m09s
